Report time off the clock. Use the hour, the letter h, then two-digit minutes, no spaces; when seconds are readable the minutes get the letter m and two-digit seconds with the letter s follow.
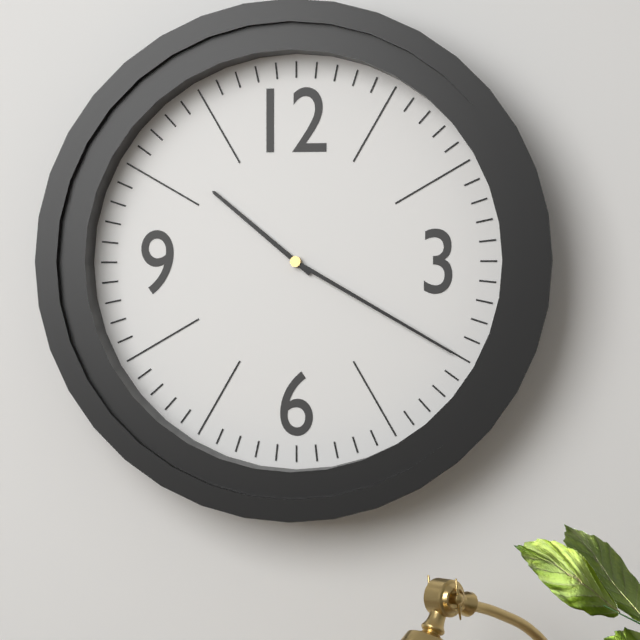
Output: 10h20
